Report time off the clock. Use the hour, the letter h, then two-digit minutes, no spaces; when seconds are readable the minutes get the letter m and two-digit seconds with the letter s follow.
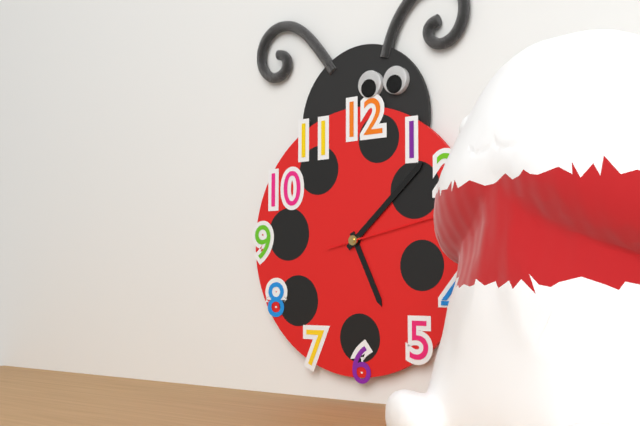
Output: 5h08m13s
